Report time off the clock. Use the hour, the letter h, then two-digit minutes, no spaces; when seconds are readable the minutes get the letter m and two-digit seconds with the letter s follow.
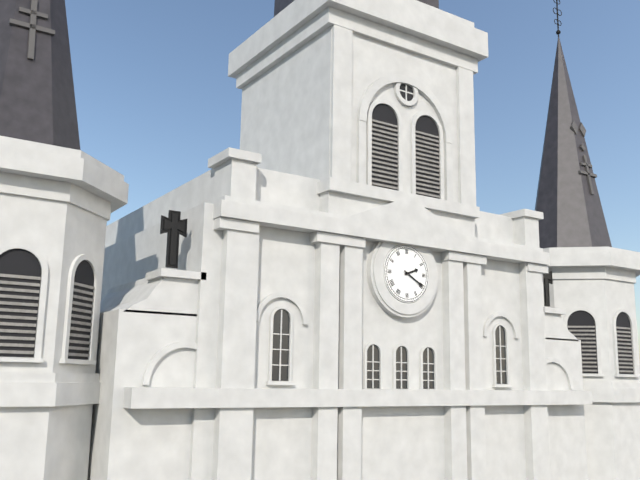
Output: 2h20
